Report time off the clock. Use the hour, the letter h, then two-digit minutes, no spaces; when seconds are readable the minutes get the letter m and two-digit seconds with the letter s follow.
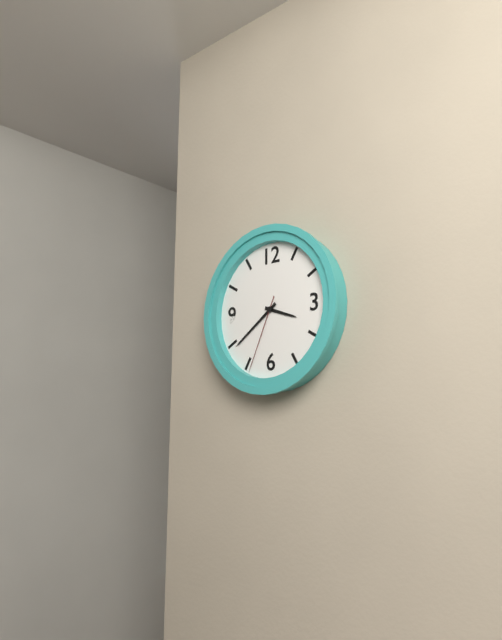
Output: 3h39m34s
